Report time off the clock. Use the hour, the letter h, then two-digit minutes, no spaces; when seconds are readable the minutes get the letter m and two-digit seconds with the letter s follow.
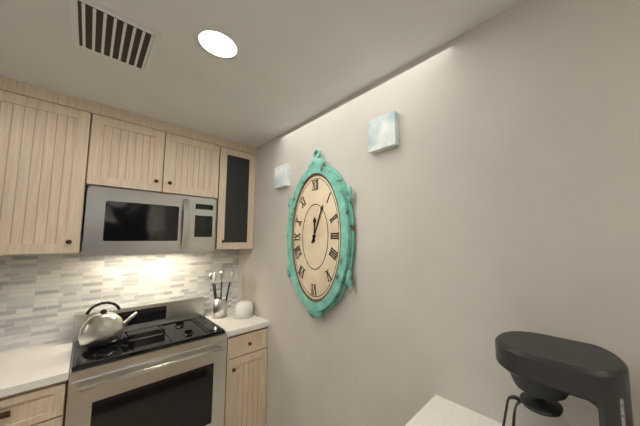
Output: 12h04
